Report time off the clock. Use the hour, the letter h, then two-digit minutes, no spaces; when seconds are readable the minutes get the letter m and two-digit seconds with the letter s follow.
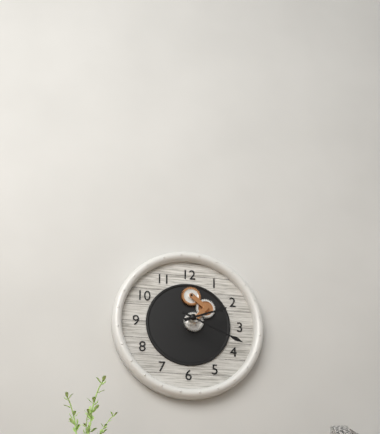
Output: 2h19
